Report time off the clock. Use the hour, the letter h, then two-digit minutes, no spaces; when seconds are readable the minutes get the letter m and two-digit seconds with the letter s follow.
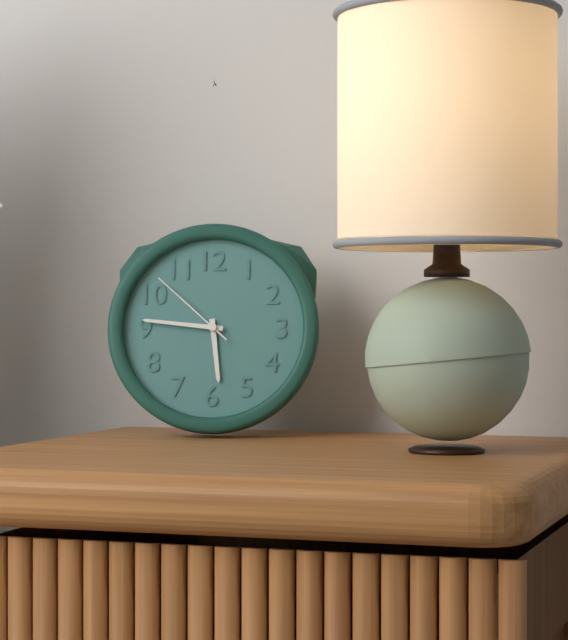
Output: 5h46m52s
